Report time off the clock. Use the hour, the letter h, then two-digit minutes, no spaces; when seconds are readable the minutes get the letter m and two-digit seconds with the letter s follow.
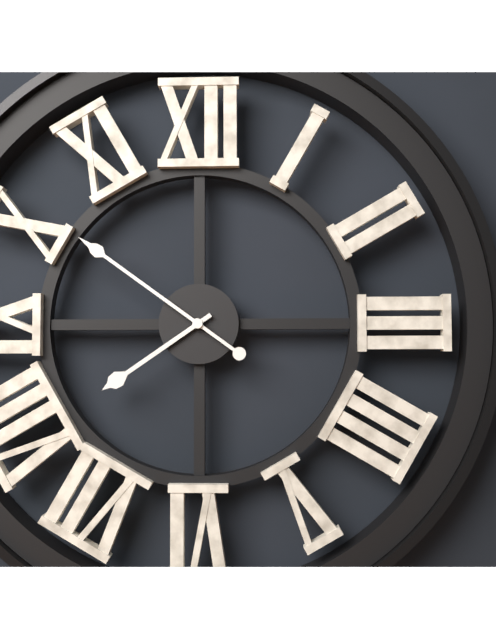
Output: 7h51
